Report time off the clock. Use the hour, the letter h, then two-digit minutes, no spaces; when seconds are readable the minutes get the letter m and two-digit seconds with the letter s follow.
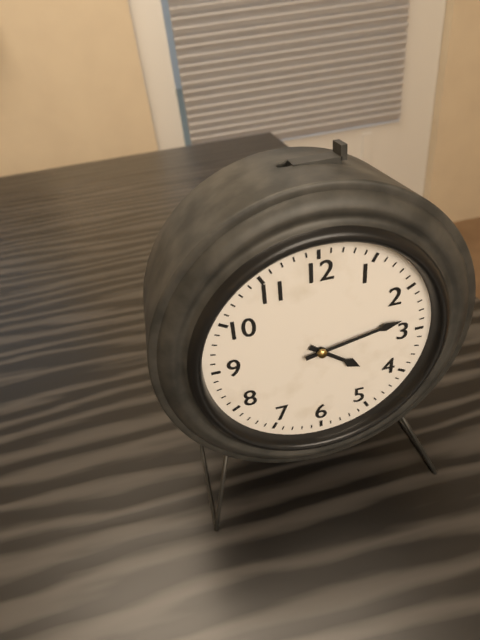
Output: 4h13
